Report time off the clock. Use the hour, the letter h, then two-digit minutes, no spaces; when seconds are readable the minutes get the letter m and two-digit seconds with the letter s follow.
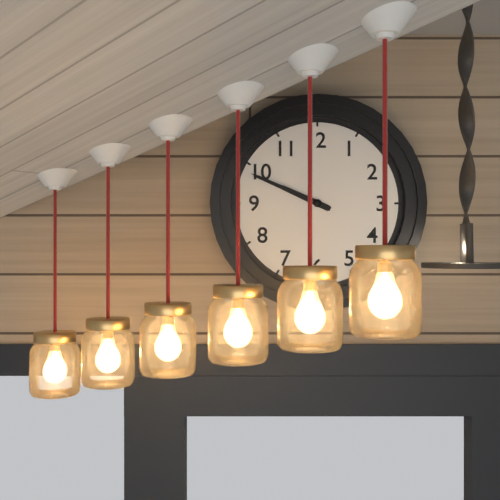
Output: 9h49
